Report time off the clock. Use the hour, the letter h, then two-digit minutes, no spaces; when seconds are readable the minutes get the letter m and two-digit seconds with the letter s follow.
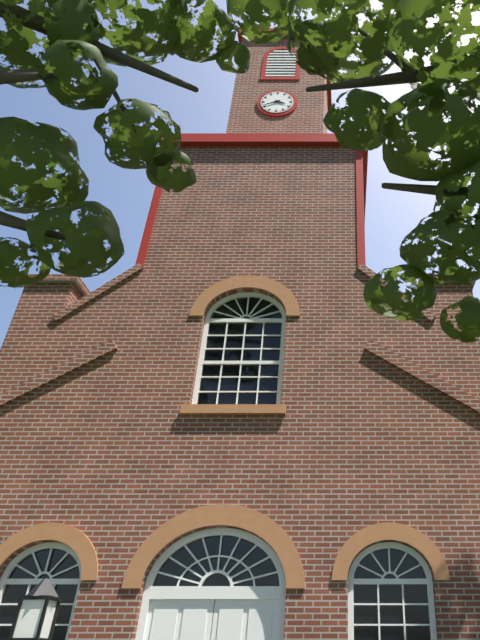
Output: 3h41
